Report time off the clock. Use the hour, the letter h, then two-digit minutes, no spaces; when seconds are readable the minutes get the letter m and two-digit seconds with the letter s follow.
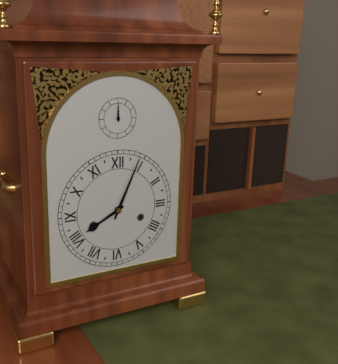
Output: 8h04
